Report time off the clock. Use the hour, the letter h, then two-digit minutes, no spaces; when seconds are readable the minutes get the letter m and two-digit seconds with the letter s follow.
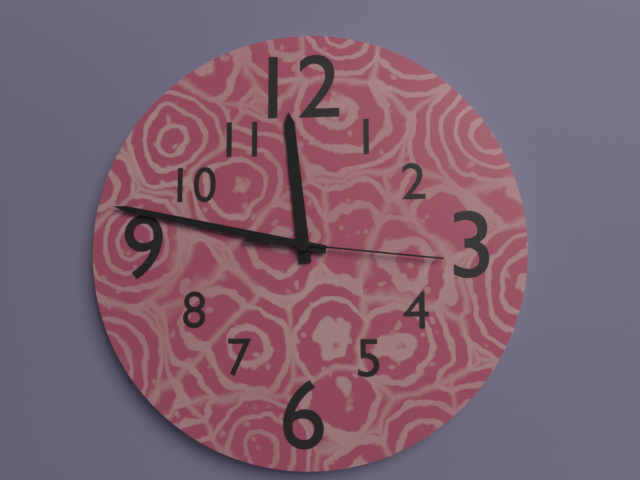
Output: 11h47m16s
